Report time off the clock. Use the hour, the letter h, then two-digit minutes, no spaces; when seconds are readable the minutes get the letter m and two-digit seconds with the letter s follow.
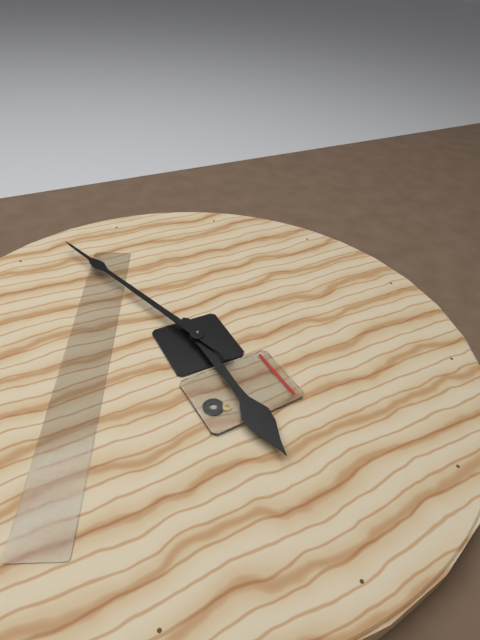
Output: 5h57
